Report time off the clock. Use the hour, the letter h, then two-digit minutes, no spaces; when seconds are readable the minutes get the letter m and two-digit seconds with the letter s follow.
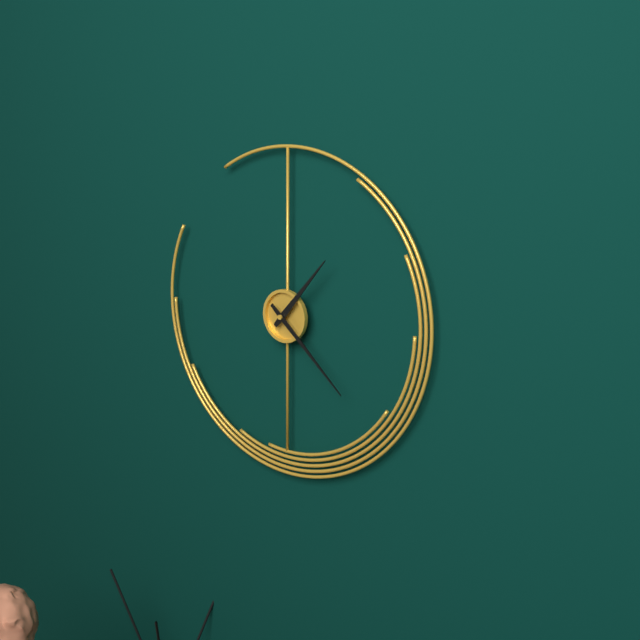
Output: 1h22
